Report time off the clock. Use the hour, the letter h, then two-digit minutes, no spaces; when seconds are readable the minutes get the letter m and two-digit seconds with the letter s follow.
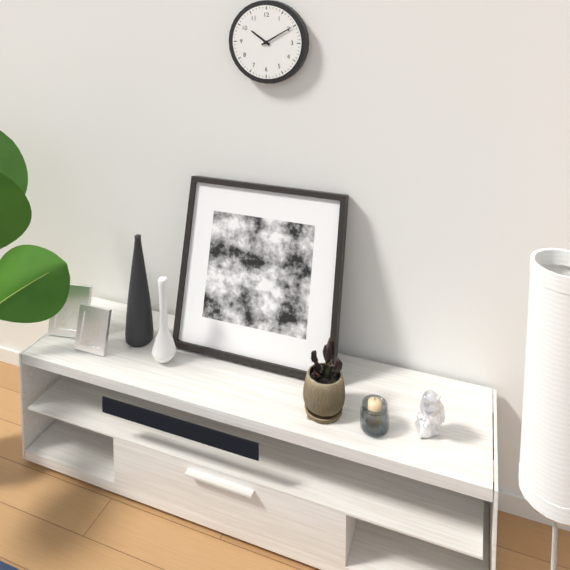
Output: 10h10
